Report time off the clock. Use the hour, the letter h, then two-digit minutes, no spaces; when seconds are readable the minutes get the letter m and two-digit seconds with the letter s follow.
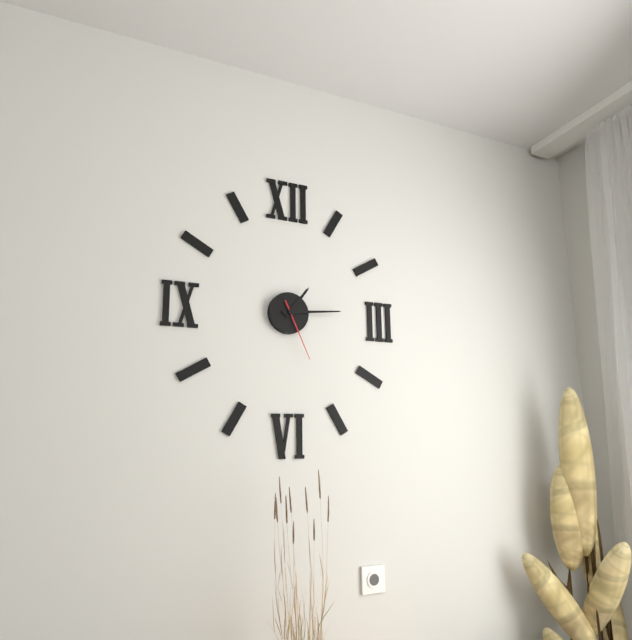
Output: 1h14m26s
